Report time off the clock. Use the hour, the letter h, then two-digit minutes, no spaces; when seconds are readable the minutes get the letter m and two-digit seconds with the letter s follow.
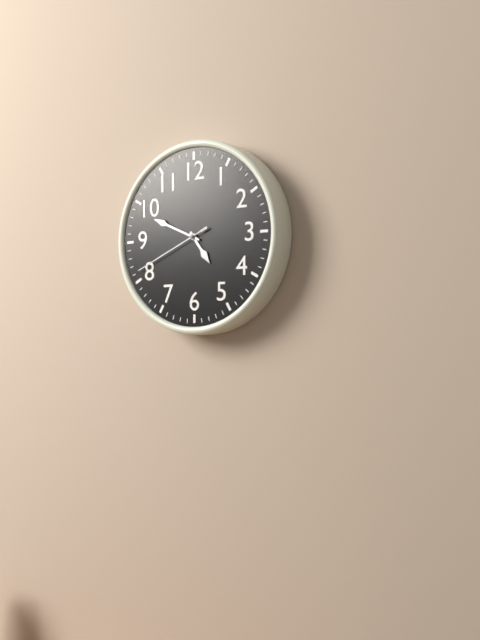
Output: 4h49m41s
